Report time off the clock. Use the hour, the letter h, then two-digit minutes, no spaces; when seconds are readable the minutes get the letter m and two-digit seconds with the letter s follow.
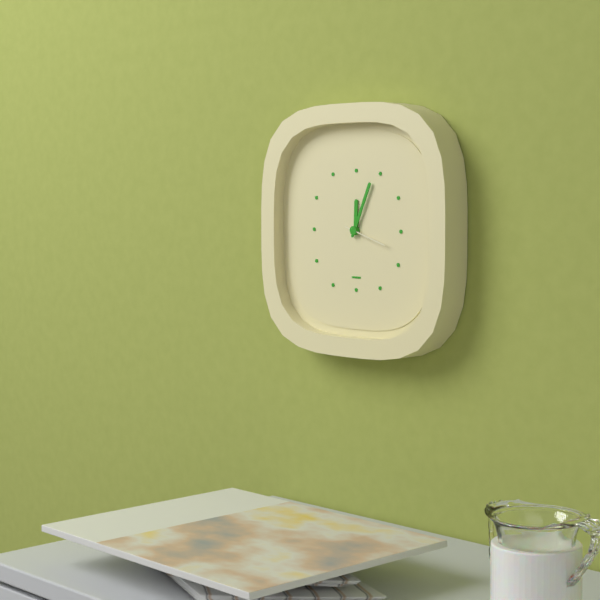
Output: 12h04
